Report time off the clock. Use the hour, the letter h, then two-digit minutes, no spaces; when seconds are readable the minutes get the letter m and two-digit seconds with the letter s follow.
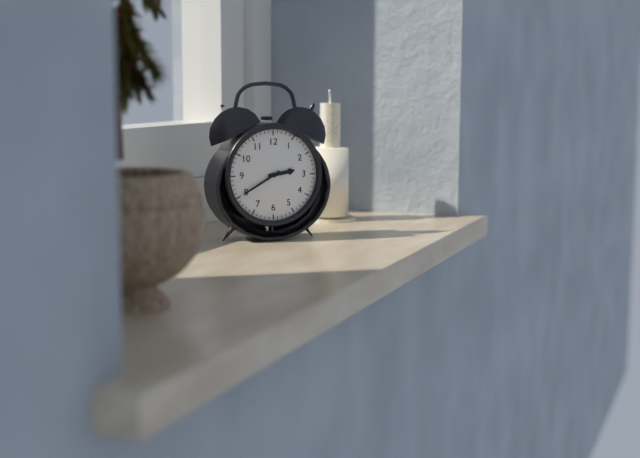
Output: 2h40
